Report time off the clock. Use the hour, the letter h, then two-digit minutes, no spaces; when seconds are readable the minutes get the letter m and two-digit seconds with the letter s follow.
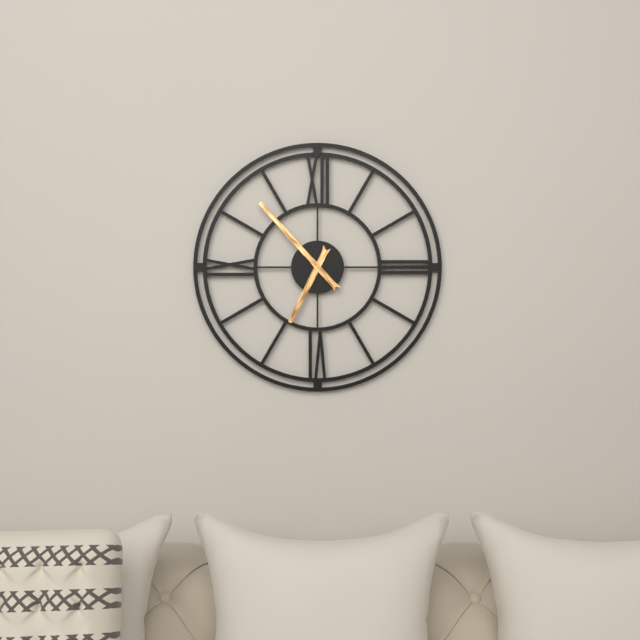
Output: 6h53
